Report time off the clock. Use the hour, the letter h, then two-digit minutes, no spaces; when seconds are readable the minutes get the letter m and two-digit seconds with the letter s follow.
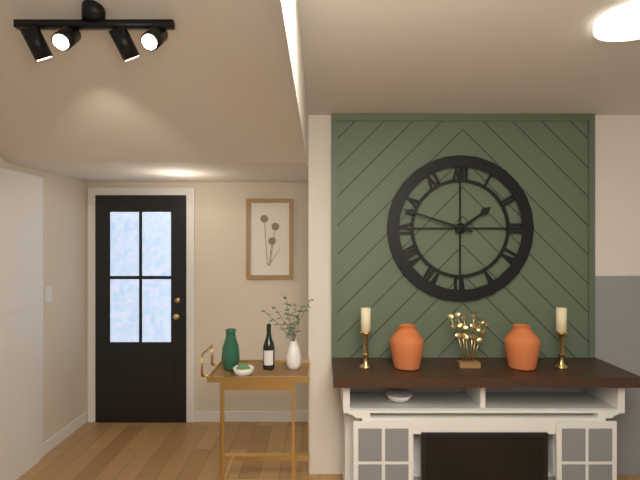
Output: 1h48
